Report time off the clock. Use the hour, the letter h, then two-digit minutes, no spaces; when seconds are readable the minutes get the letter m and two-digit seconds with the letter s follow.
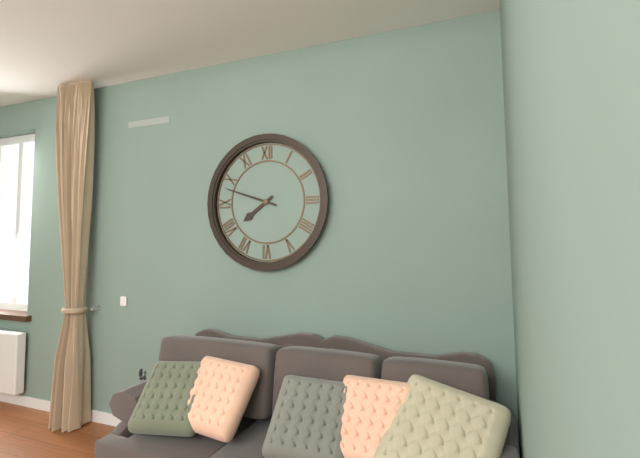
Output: 7h48
